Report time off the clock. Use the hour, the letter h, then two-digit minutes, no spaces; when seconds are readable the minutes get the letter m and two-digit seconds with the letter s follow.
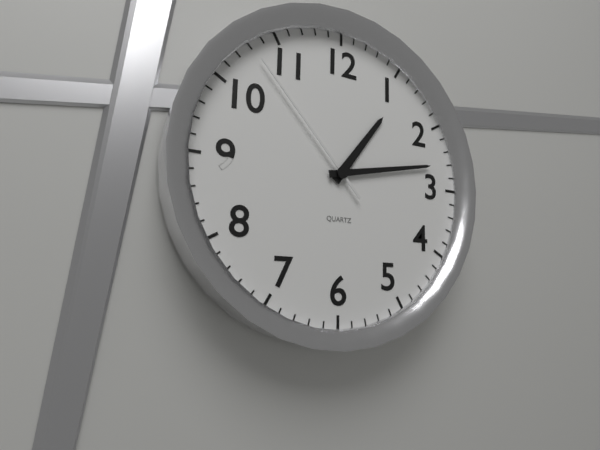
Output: 1h13m53s
